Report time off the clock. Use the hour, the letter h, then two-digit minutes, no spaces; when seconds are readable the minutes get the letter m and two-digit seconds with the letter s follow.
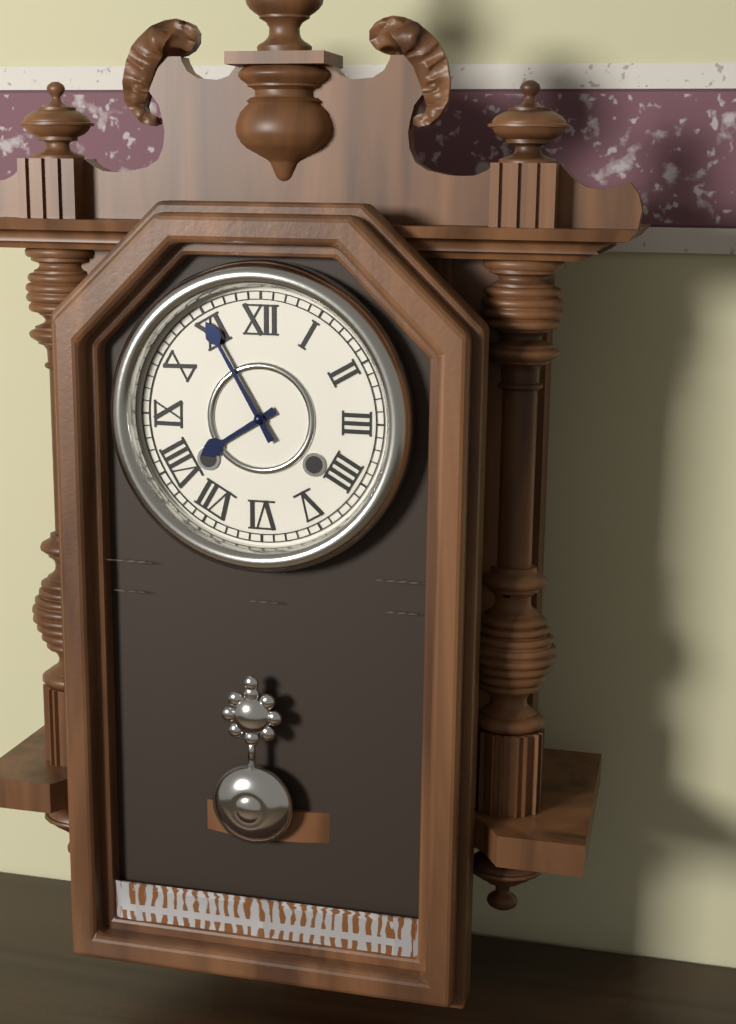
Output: 7h55
